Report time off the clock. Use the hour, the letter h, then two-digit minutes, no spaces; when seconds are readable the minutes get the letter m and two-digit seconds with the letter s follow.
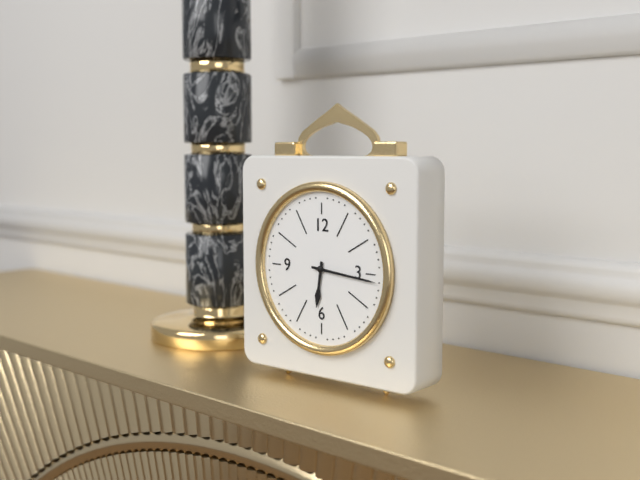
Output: 6h16
